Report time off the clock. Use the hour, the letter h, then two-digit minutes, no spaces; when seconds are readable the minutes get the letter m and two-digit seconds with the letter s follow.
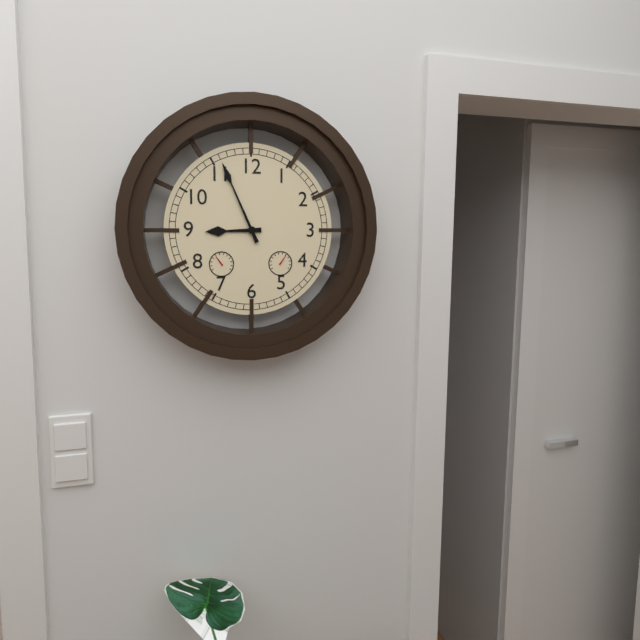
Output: 8h56
